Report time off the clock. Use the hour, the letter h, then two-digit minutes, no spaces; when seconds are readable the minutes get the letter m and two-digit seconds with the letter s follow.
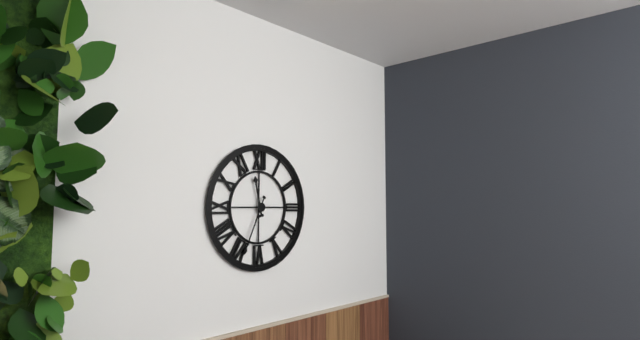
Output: 11h34
